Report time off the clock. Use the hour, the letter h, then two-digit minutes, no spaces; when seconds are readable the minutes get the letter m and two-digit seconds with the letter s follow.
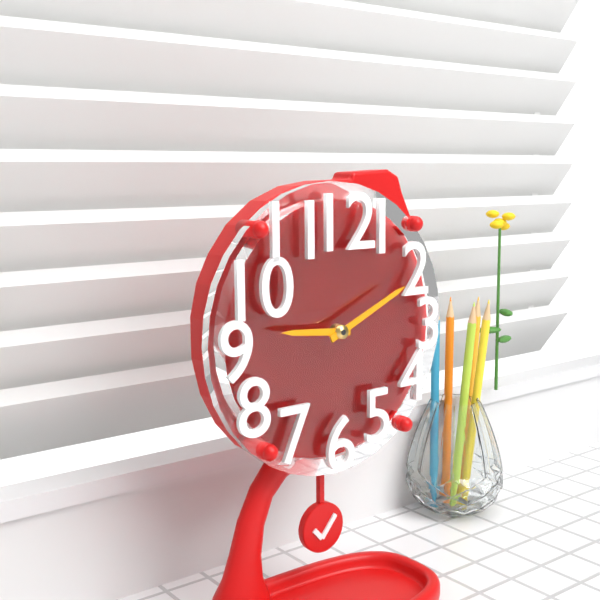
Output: 9h11
